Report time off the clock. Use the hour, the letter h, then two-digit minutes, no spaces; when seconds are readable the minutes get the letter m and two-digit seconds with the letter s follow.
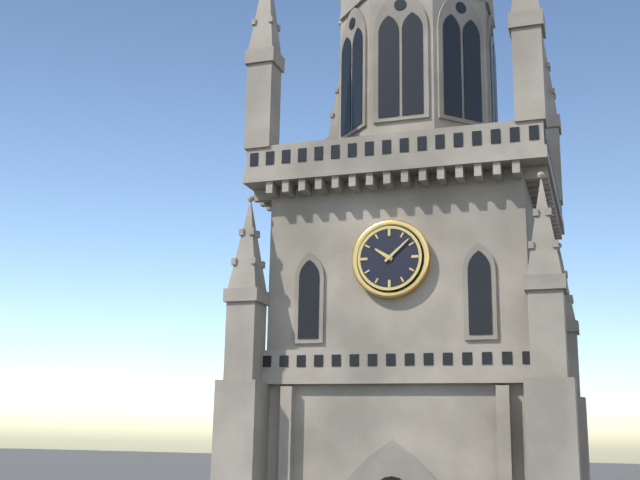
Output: 10h08
